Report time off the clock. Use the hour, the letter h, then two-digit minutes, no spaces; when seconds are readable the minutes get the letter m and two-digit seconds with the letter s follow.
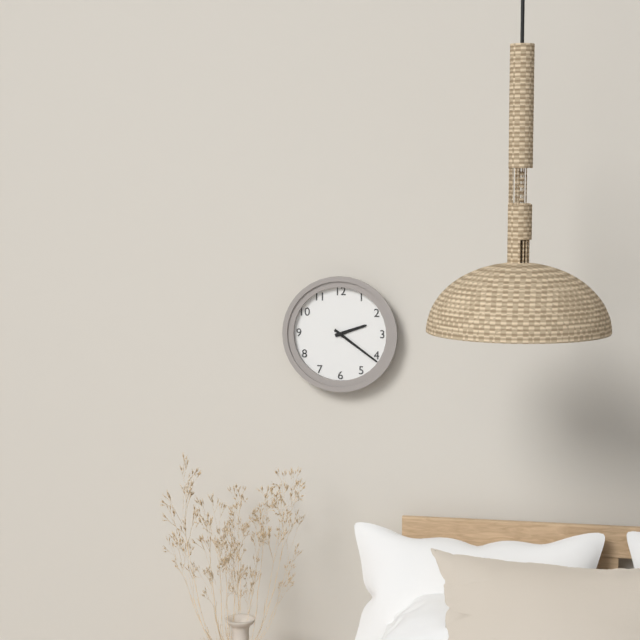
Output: 2h21
